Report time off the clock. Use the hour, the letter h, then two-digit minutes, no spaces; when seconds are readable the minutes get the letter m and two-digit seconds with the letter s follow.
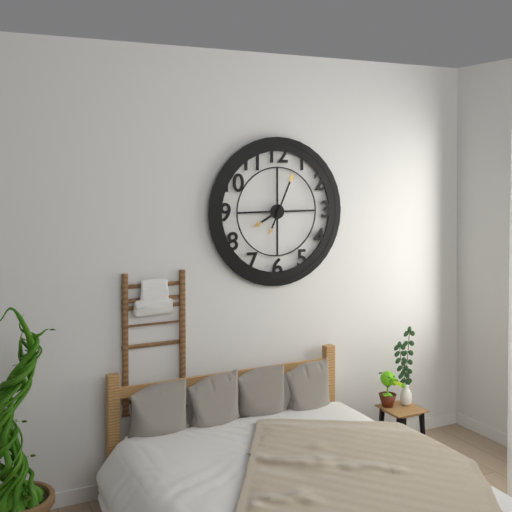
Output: 8h04
